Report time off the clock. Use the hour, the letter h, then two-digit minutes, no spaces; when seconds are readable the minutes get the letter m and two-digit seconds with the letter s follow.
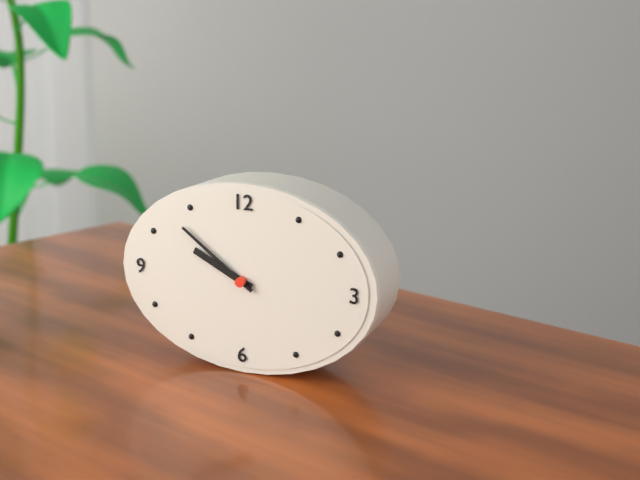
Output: 9h51
